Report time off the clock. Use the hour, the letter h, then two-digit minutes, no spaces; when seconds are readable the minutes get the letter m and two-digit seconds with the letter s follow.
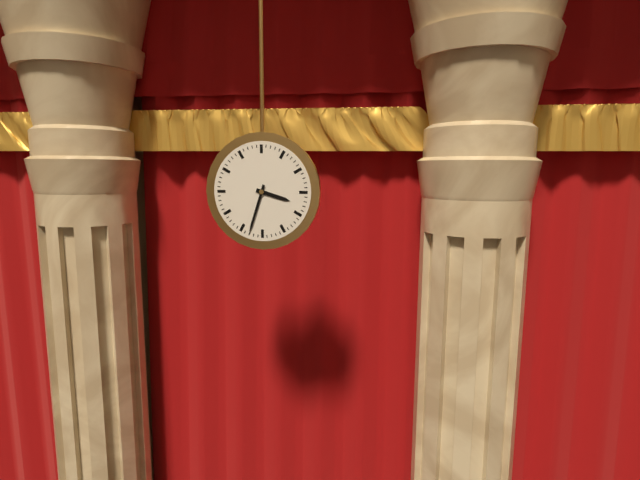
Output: 3h33
